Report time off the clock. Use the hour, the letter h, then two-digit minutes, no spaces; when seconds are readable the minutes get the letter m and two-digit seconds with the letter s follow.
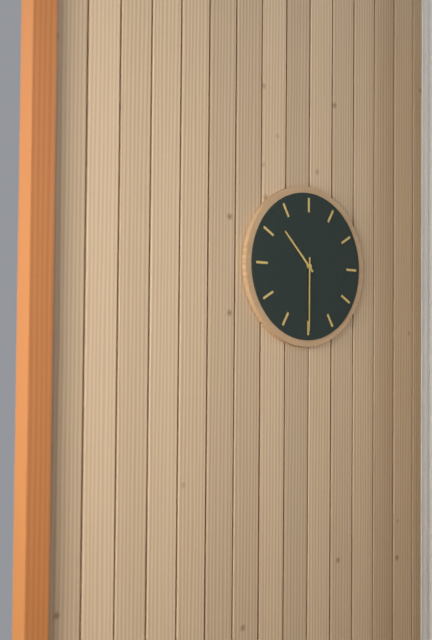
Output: 10h30
